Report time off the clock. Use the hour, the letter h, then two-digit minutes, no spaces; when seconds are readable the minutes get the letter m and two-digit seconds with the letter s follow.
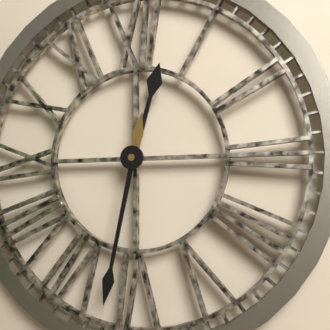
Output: 12h32
